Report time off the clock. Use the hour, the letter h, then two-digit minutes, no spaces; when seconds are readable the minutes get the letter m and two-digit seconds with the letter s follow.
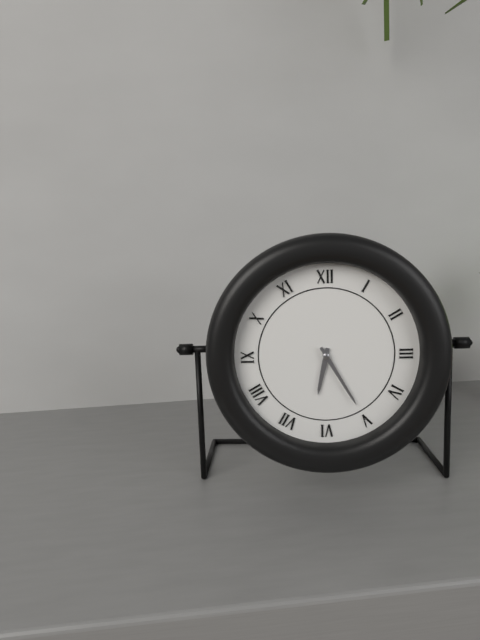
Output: 6h25
